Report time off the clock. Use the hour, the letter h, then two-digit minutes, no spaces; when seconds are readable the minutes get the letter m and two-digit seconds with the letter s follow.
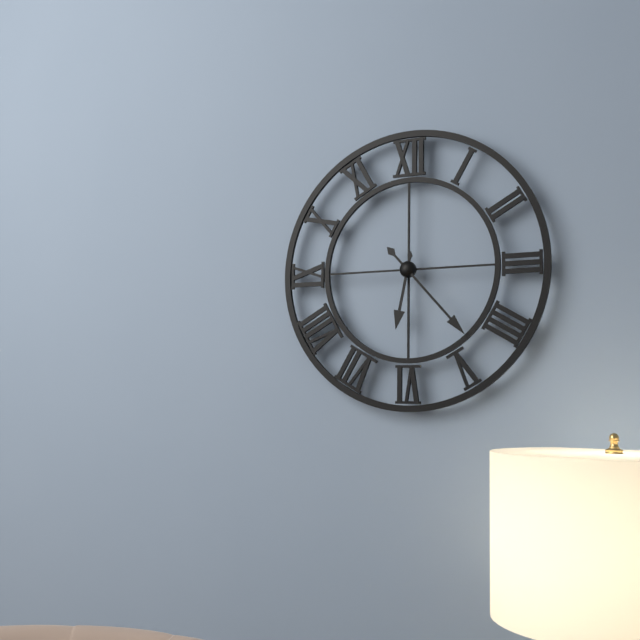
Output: 6h23
